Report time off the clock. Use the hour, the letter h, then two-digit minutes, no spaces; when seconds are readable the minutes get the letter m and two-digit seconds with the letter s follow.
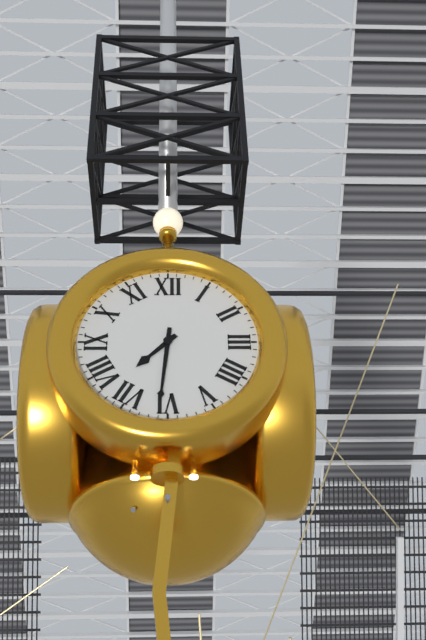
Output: 7h31
